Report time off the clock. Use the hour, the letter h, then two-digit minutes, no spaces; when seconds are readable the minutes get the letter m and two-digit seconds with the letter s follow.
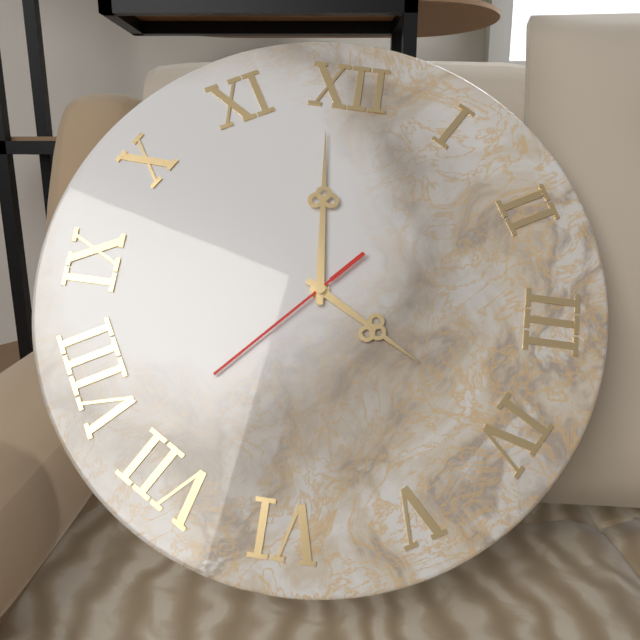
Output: 3h59m37s
